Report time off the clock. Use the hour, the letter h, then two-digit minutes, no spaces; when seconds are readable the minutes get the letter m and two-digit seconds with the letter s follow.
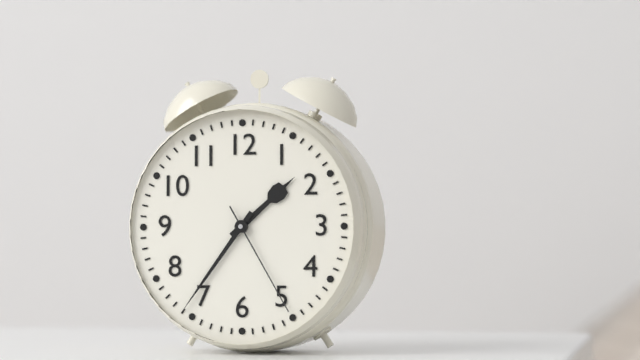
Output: 1h36m25s
